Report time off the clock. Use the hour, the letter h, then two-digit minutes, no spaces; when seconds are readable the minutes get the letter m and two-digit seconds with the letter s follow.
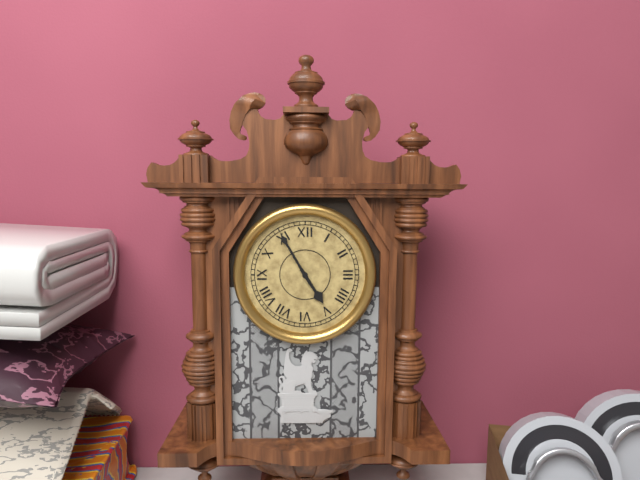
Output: 4h55
